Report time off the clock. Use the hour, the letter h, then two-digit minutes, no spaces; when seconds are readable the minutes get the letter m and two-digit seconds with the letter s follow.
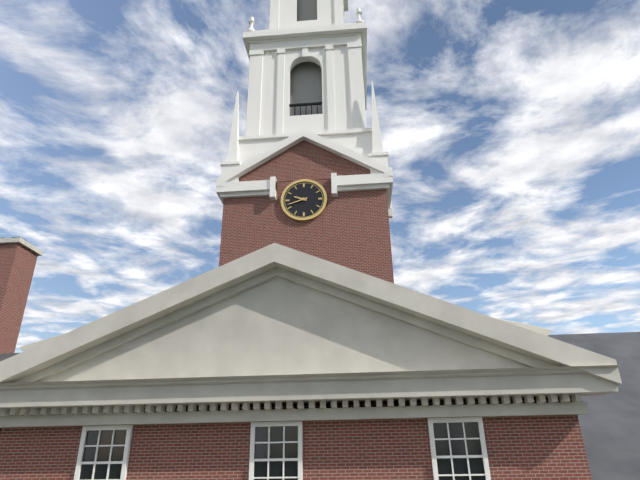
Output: 9h42
